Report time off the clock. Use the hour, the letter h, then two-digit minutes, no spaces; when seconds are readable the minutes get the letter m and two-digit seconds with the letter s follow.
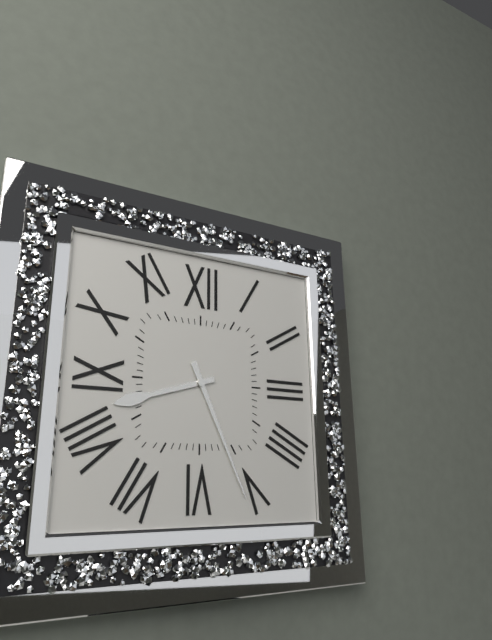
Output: 8h26
